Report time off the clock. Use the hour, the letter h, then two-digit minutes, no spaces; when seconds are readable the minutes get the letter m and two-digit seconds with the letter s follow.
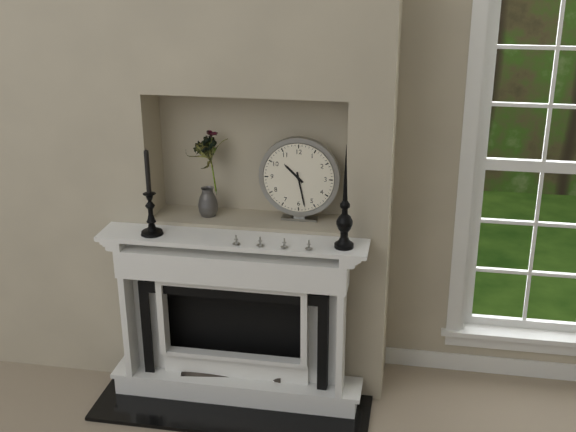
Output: 10h28
